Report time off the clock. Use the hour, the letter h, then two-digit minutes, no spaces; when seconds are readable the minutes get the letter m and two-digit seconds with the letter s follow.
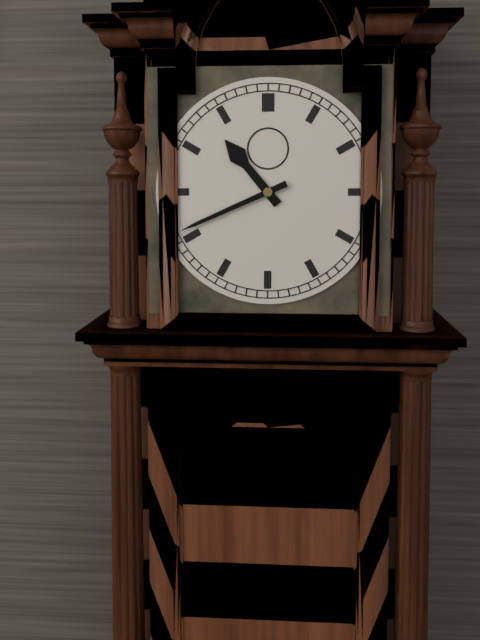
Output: 10h41
